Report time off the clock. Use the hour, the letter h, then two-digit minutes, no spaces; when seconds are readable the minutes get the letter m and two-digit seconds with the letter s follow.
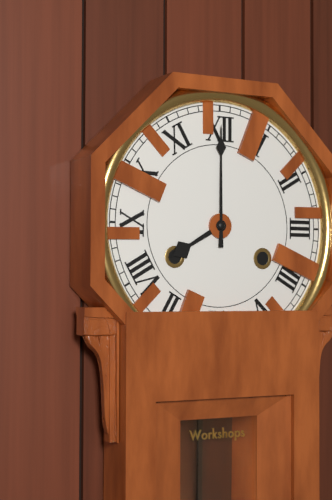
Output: 8h00
